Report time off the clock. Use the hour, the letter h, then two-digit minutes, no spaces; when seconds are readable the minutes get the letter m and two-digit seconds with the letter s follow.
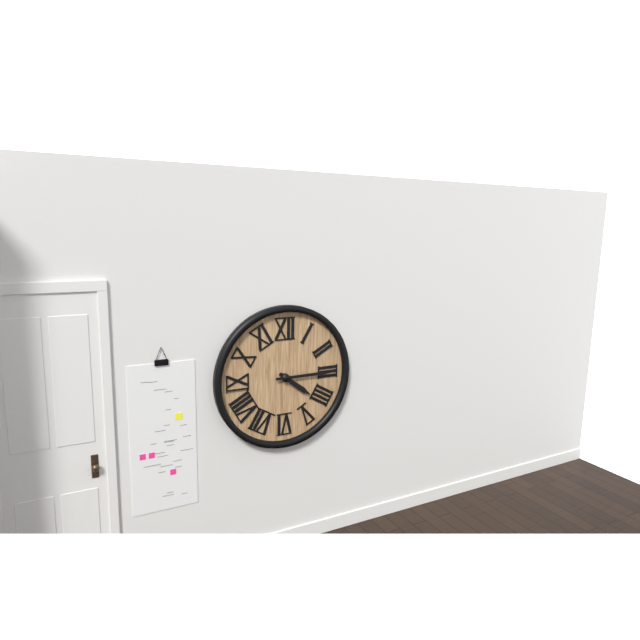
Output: 4h15
